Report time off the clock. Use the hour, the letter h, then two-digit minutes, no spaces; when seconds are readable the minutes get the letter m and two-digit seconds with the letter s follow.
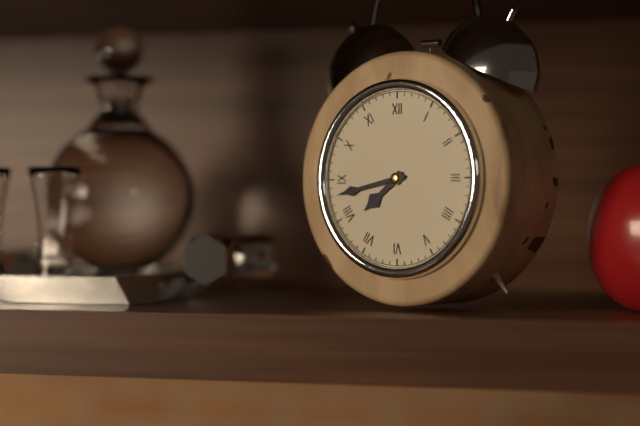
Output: 7h43
